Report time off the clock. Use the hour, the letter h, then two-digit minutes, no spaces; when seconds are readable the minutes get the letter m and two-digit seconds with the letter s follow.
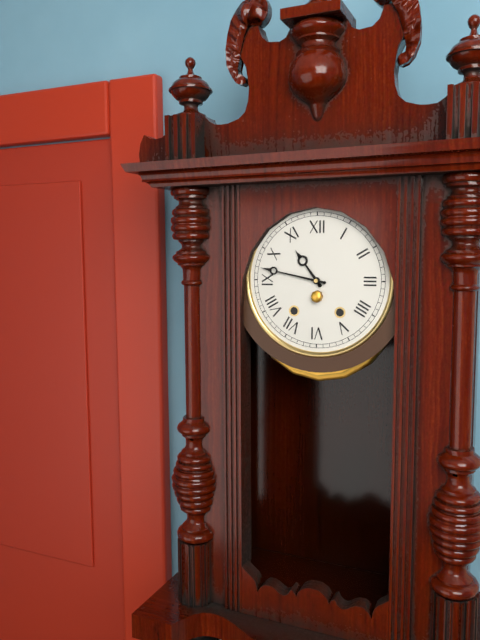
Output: 10h47
